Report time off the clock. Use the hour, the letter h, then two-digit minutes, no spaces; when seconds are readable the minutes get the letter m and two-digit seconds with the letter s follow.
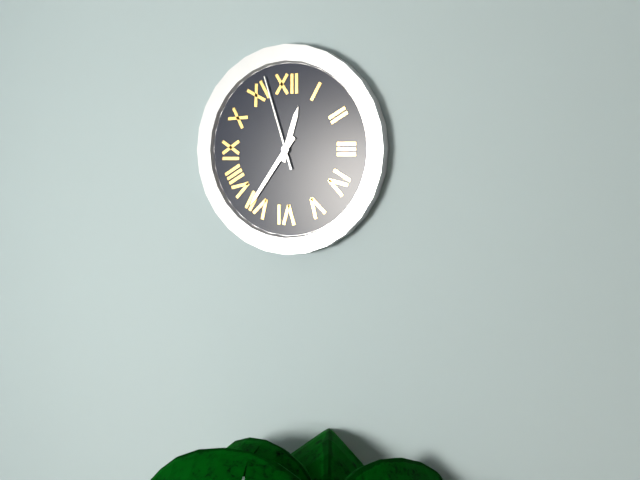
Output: 12h36m57s
